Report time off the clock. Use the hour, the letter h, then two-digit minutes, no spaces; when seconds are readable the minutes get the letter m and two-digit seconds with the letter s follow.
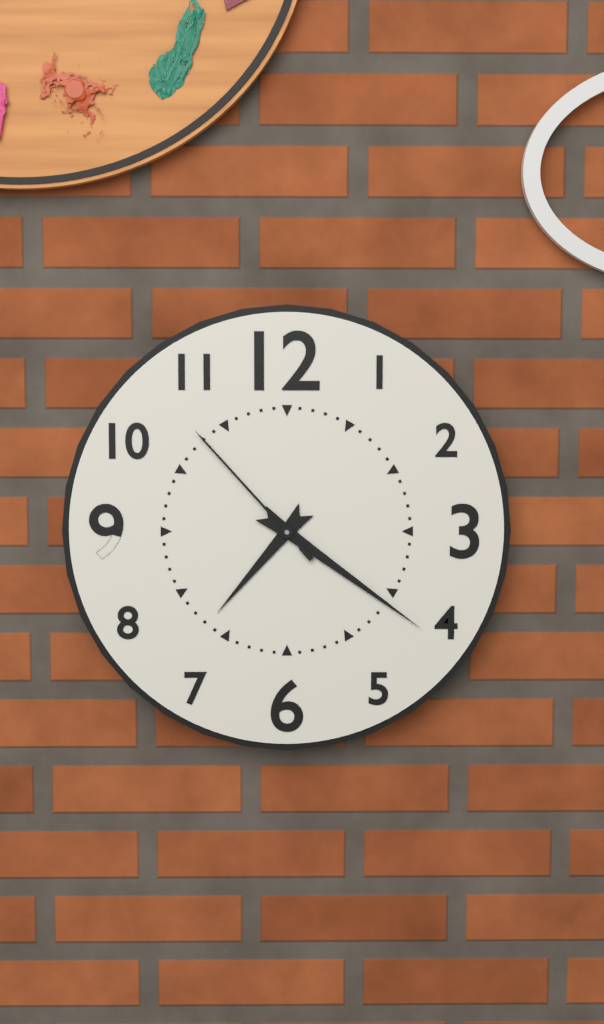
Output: 7h21m53s
